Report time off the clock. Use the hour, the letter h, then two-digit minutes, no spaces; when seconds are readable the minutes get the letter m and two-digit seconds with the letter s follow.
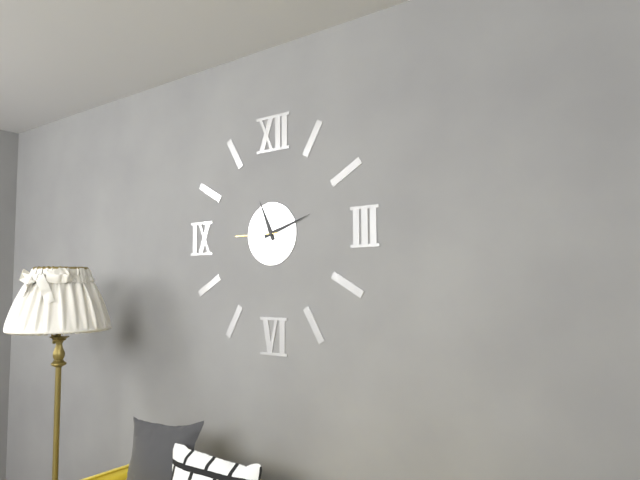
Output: 11h12
